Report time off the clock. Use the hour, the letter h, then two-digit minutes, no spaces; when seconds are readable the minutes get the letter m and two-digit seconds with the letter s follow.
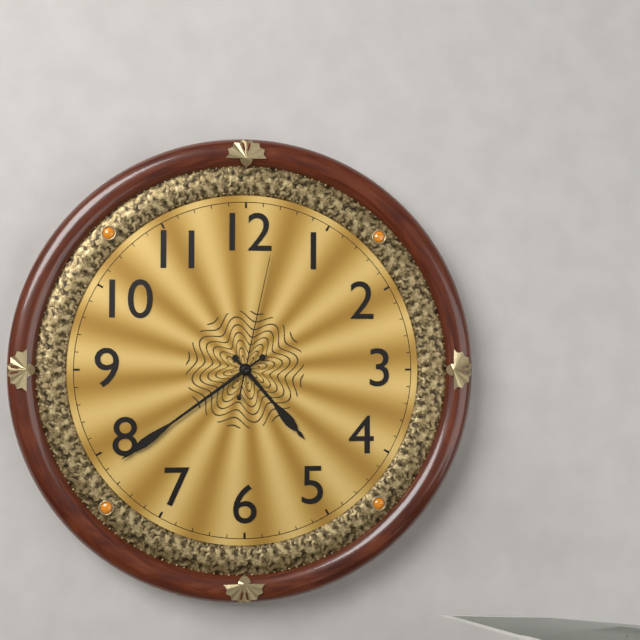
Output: 4h39m02s
